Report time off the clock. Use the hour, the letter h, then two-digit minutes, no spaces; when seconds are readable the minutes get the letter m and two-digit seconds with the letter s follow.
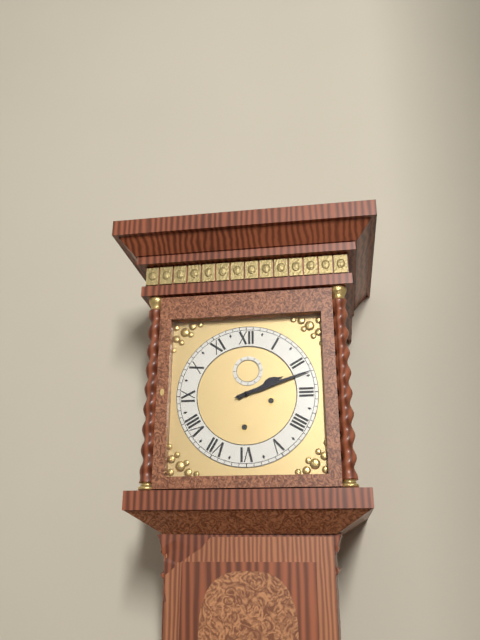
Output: 2h12
